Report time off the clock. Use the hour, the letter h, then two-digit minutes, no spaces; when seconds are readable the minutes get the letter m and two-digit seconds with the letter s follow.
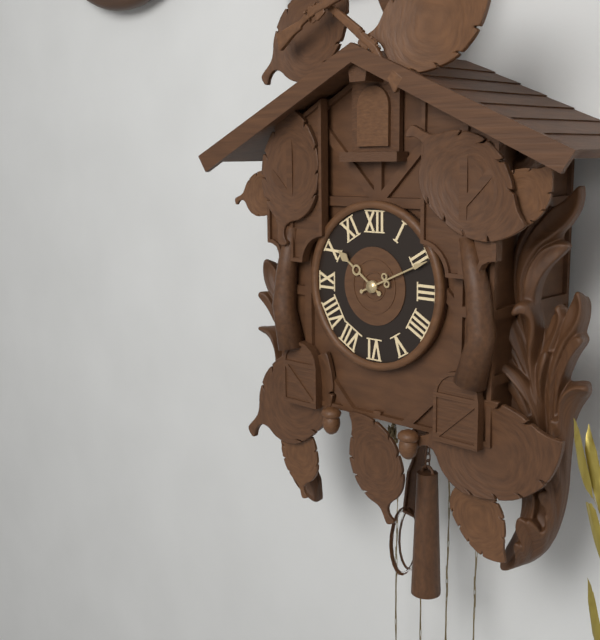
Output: 10h11
